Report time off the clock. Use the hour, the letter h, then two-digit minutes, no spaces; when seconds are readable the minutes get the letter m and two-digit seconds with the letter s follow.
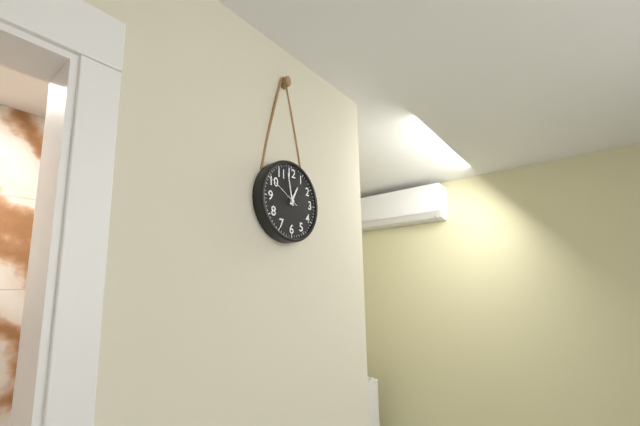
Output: 12h58
